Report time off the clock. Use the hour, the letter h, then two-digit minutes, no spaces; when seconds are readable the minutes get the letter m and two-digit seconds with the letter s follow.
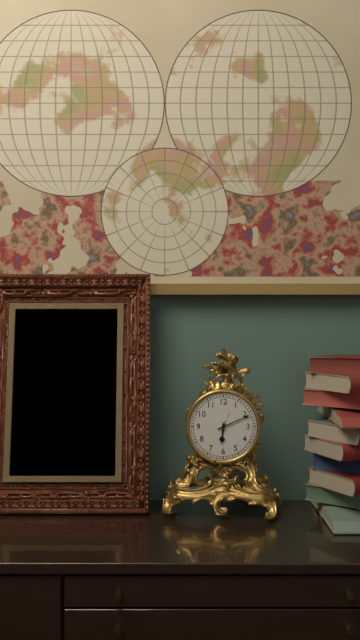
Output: 6h11
